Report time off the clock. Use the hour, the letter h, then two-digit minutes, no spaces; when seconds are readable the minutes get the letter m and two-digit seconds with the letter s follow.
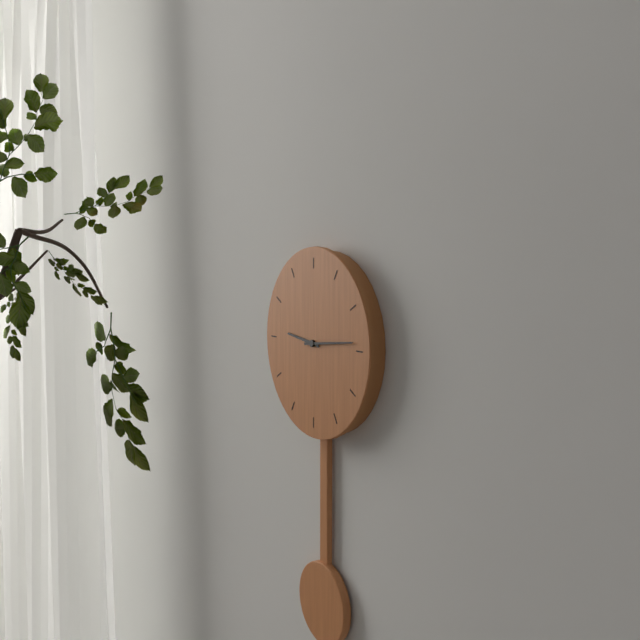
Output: 9h14
